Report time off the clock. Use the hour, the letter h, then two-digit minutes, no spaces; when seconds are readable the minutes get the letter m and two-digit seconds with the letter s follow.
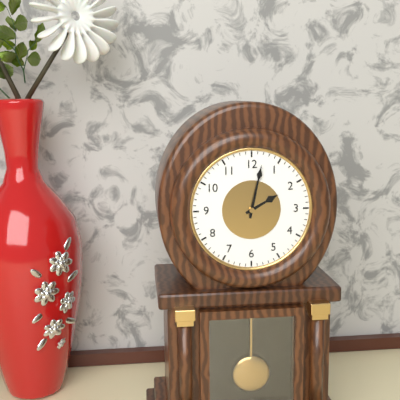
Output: 2h02
